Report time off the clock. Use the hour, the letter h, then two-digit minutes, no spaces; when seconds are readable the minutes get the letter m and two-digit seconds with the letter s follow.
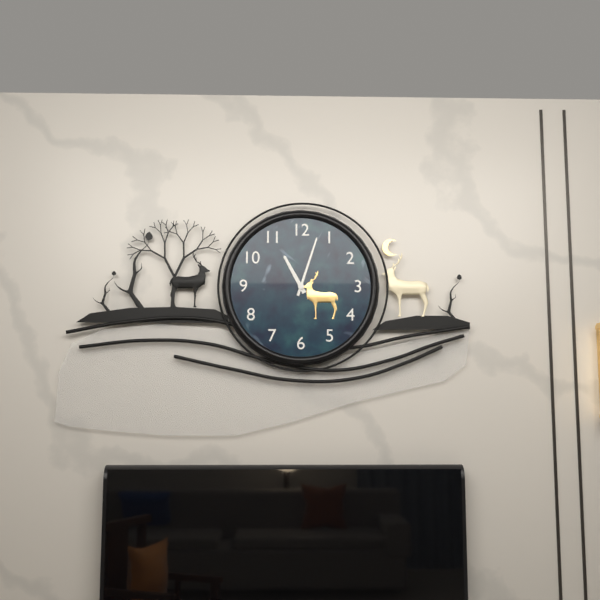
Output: 11h03
